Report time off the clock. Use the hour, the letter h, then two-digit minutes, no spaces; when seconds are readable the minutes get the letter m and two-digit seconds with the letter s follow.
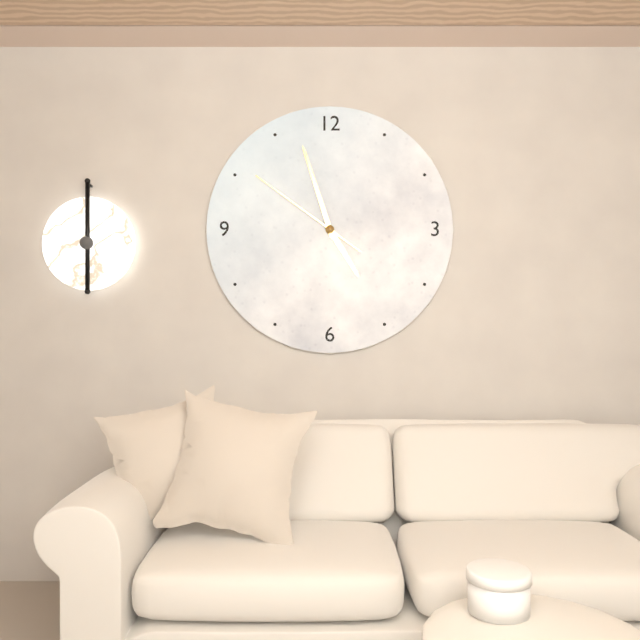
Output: 4h57m51s
